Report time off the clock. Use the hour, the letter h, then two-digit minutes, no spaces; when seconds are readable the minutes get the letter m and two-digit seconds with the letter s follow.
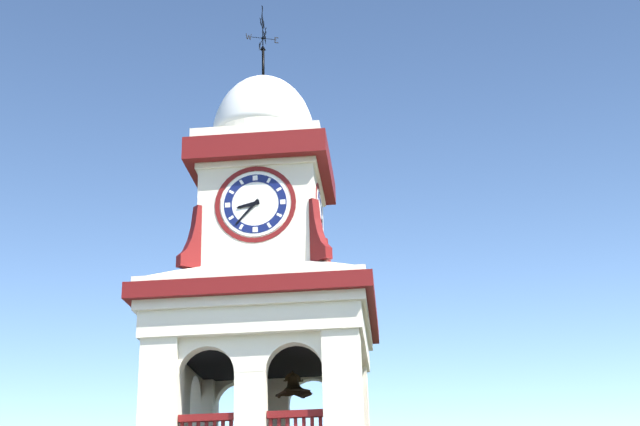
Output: 8h37
